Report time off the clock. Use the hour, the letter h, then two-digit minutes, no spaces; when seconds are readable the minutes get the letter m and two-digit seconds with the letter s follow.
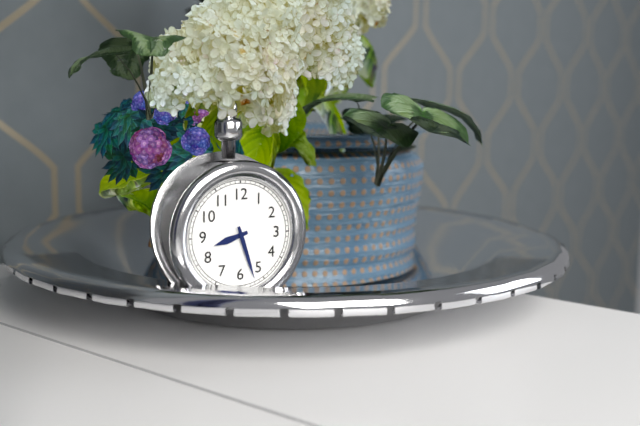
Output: 8h27
